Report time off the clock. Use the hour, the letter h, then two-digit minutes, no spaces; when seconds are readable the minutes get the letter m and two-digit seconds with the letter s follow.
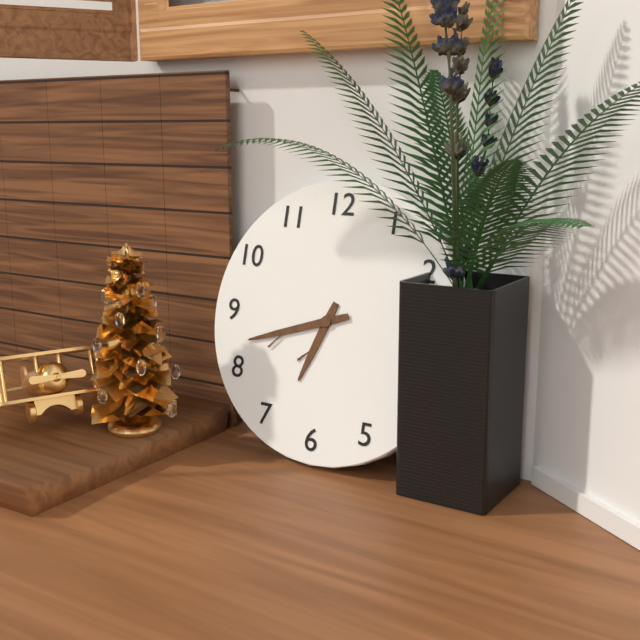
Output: 6h42
